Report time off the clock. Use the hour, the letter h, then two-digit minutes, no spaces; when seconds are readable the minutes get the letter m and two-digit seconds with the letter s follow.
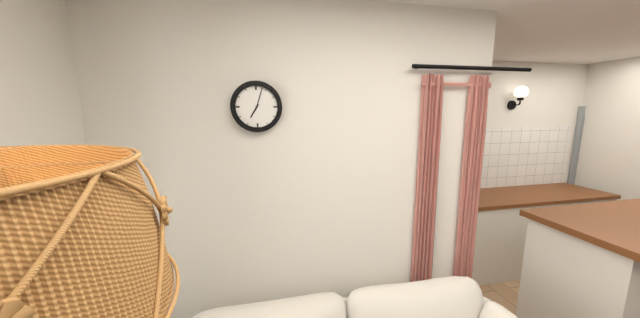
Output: 7h03
